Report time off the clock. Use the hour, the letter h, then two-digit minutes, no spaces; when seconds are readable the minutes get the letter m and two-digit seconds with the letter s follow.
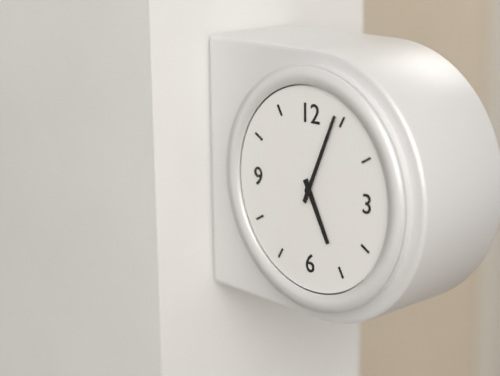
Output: 5h04
